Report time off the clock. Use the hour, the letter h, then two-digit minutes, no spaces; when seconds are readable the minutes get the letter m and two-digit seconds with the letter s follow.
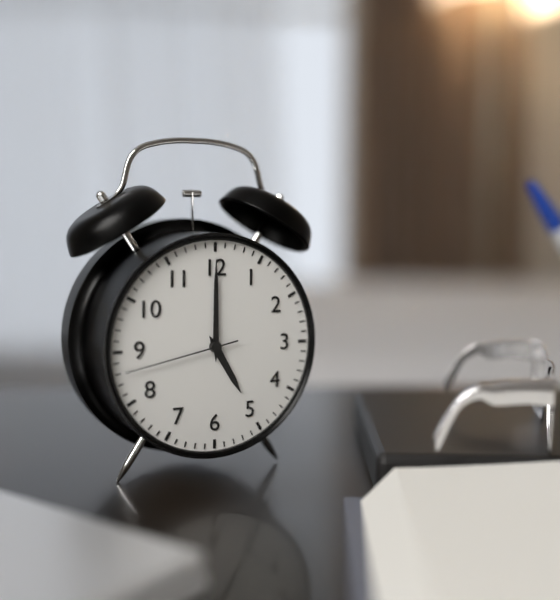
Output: 5h00m43s
